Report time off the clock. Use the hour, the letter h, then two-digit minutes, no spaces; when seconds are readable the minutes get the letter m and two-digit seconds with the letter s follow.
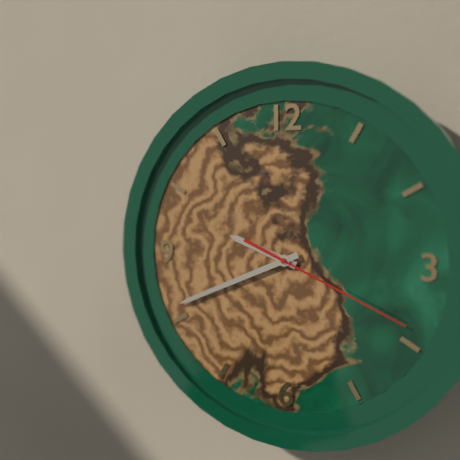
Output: 9h41m19s
